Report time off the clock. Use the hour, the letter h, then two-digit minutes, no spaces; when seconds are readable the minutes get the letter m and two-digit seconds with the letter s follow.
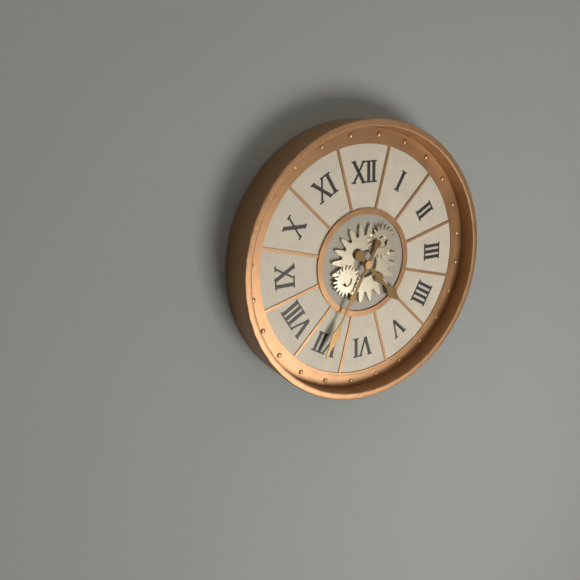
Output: 4h35
